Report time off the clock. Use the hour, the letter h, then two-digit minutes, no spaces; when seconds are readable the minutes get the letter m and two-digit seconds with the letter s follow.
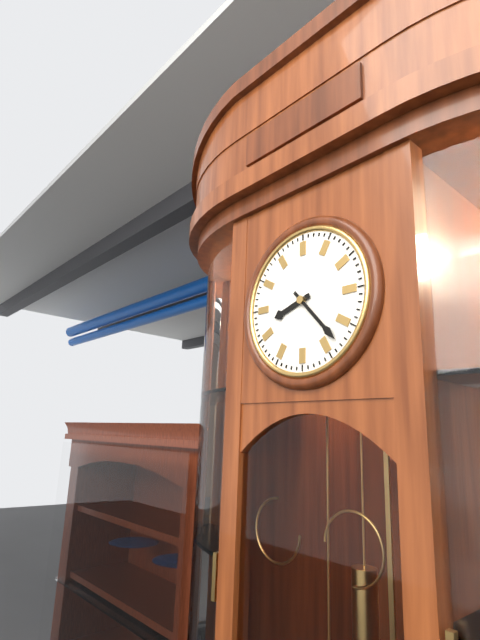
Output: 8h23
